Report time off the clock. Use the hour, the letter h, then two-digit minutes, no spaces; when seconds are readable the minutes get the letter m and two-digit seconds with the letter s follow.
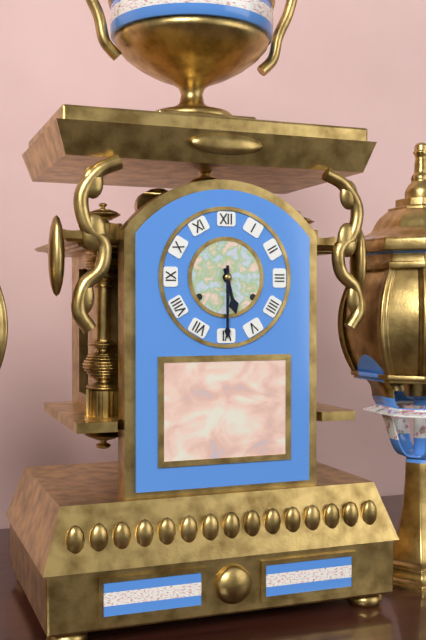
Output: 5h30
